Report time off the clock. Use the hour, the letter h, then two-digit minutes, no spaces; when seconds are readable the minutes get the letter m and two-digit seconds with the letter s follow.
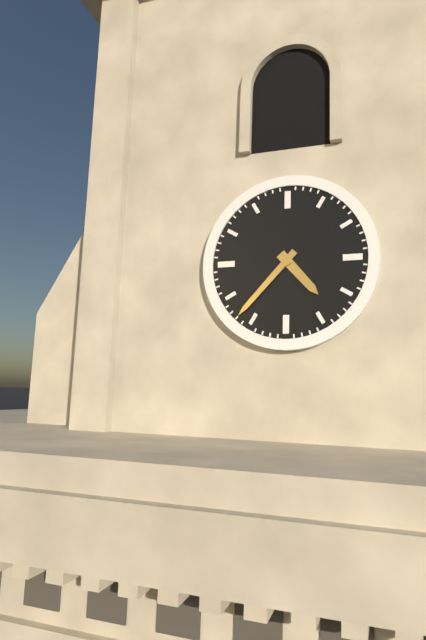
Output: 4h37
